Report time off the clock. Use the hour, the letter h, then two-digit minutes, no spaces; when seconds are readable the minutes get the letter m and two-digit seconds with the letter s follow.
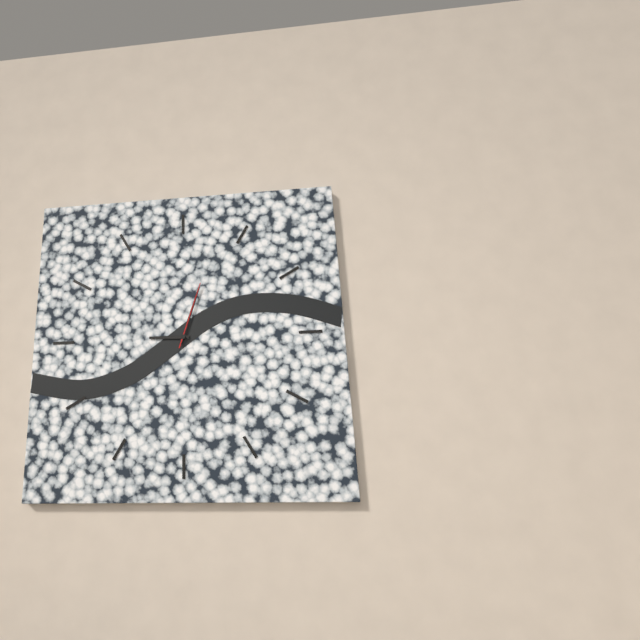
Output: 9h03m03s
